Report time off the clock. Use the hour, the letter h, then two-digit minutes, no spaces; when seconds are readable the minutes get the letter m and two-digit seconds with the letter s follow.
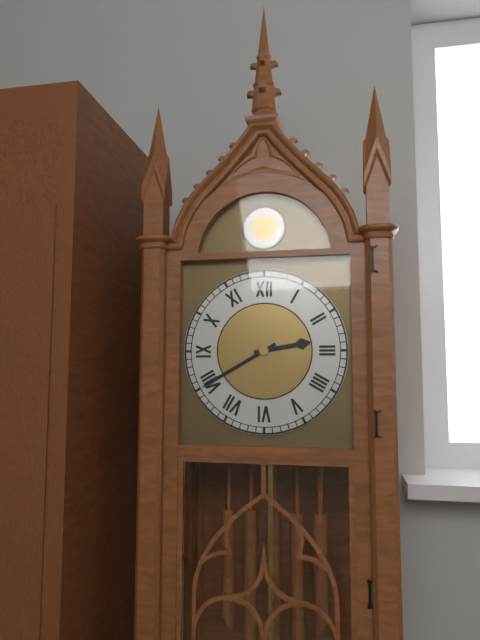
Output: 2h40
